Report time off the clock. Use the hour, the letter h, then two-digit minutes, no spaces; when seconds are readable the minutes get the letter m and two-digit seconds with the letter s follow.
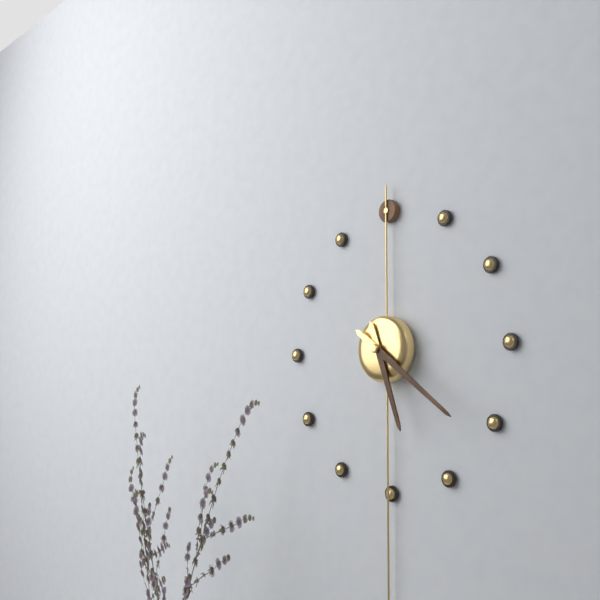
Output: 5h21
